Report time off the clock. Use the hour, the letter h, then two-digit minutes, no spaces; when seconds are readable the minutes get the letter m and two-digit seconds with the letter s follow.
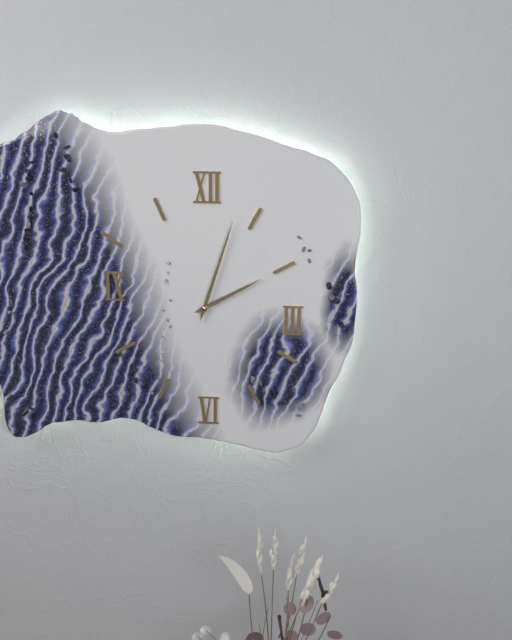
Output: 2h03
